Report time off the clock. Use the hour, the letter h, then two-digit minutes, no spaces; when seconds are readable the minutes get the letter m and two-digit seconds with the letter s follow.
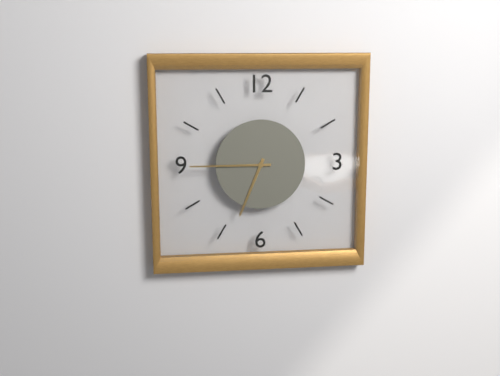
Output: 6h45
